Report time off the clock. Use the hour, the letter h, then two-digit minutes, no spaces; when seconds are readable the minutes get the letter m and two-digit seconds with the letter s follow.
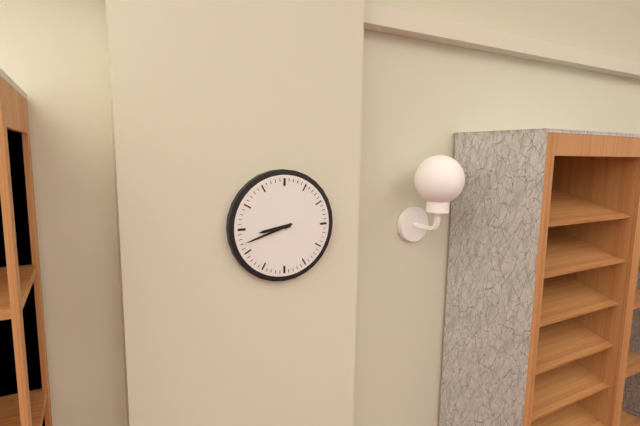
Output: 8h42
